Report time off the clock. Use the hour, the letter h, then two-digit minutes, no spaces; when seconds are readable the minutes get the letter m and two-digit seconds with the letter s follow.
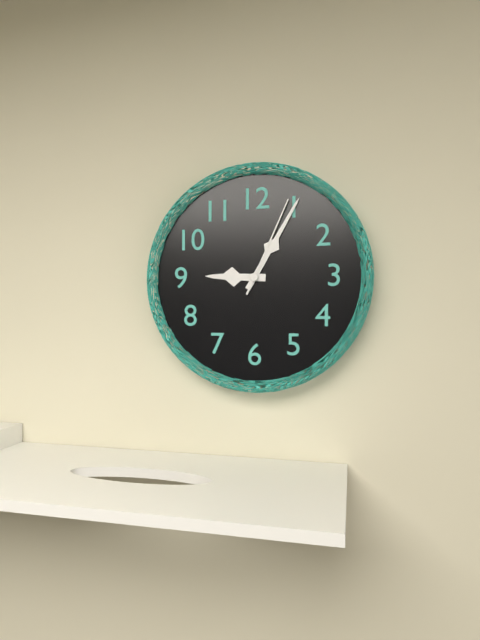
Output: 9h05m04s
